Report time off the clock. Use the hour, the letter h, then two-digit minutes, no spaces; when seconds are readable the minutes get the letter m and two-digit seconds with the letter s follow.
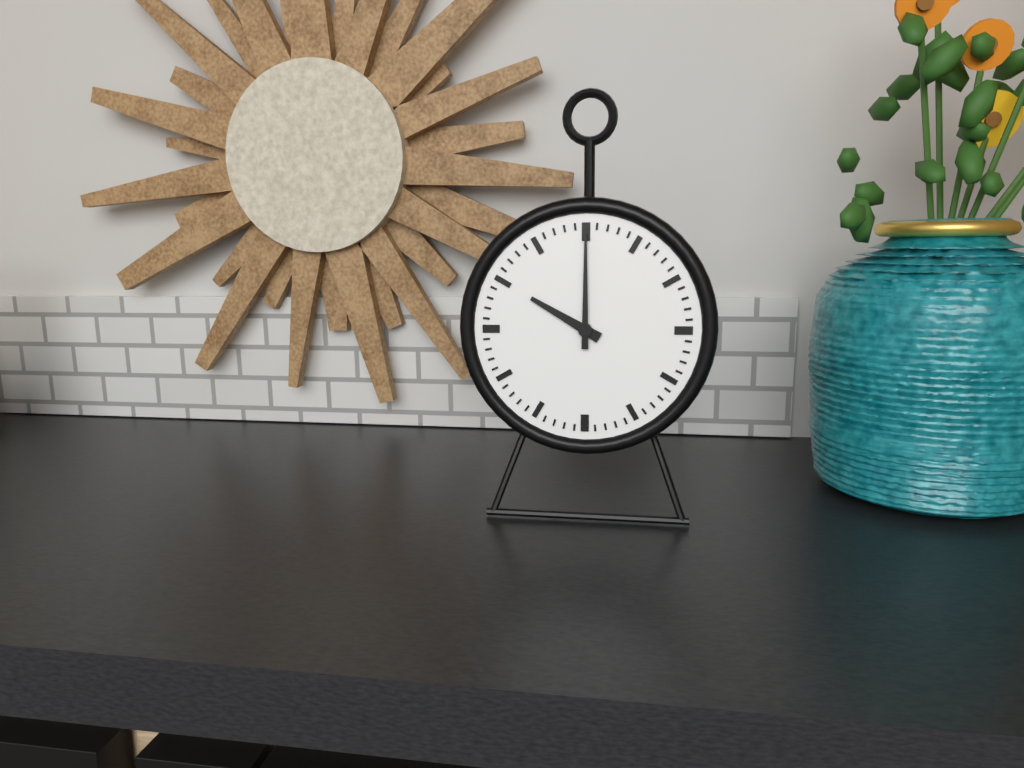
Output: 10h00
